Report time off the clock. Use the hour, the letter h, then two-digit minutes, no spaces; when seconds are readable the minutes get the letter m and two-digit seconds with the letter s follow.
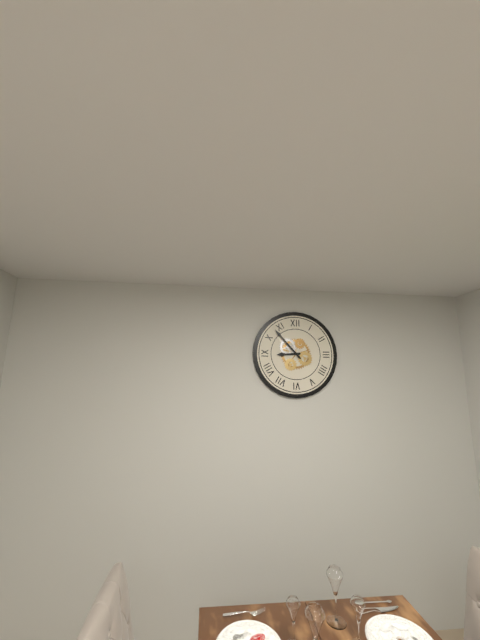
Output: 8h53
